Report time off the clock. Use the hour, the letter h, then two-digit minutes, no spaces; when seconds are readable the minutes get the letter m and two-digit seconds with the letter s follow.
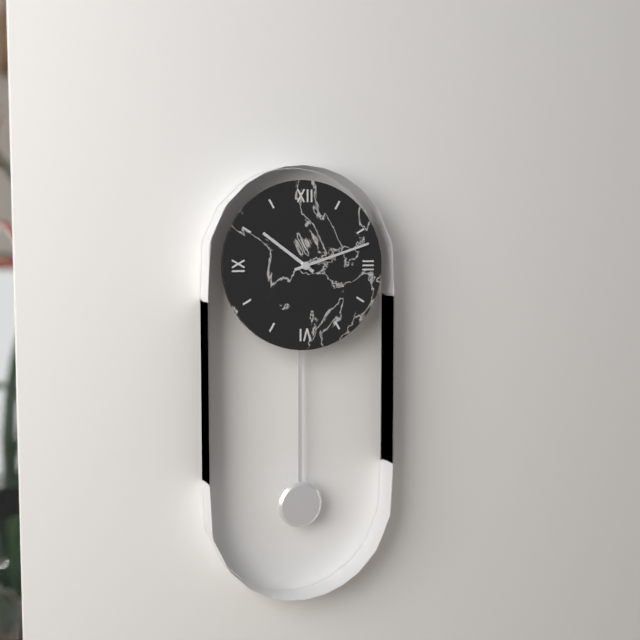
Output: 10h12
